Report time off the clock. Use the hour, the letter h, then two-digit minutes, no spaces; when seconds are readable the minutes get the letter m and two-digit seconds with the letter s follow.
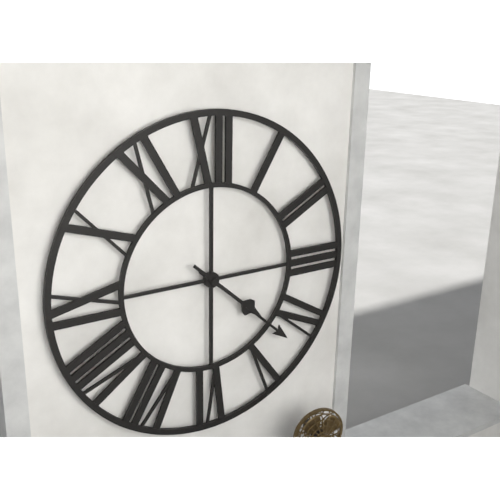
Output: 4h22
